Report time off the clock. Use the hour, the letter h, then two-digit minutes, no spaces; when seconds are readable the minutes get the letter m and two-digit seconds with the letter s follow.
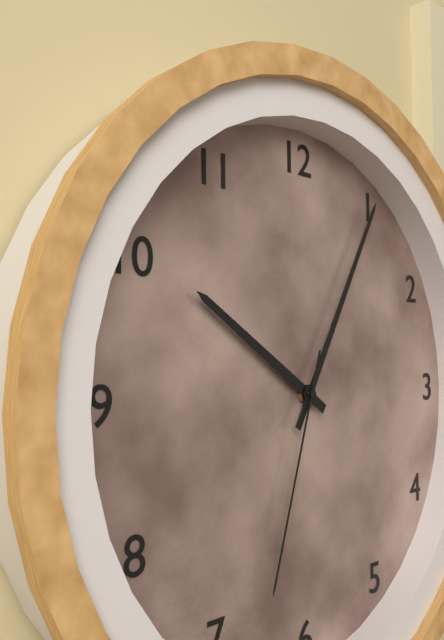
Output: 10h05m33s
